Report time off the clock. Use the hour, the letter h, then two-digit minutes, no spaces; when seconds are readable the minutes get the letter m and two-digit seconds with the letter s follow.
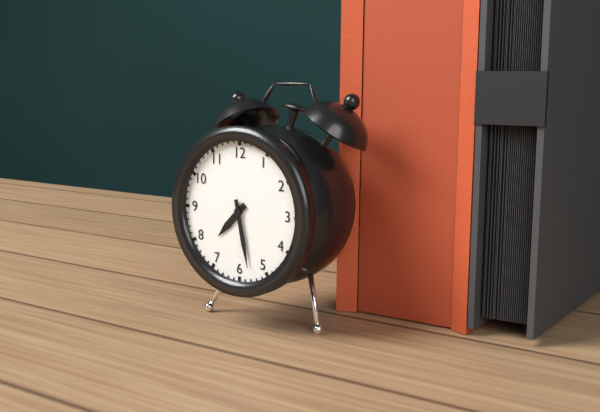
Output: 7h28
